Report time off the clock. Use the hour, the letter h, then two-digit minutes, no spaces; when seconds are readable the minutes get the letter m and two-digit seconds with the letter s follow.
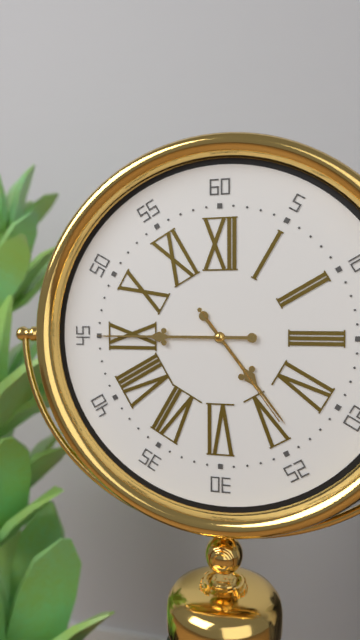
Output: 4h45m24s
